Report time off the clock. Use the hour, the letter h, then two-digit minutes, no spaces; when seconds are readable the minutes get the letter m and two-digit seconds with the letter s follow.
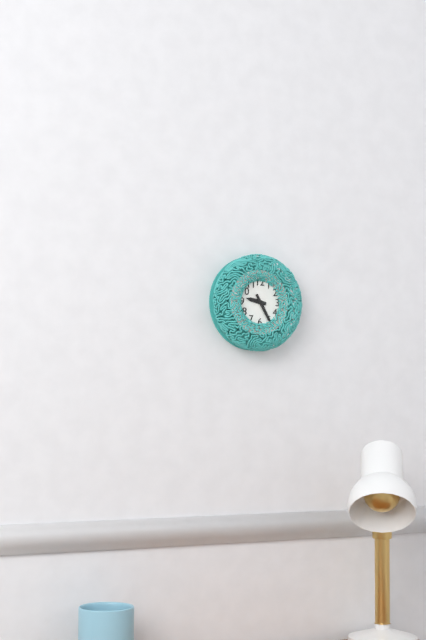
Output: 9h25
